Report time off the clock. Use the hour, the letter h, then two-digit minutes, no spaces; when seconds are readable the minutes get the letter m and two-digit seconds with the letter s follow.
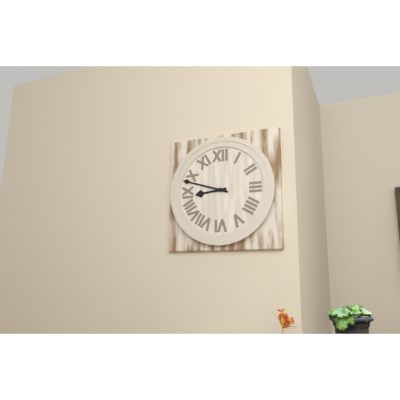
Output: 8h48
